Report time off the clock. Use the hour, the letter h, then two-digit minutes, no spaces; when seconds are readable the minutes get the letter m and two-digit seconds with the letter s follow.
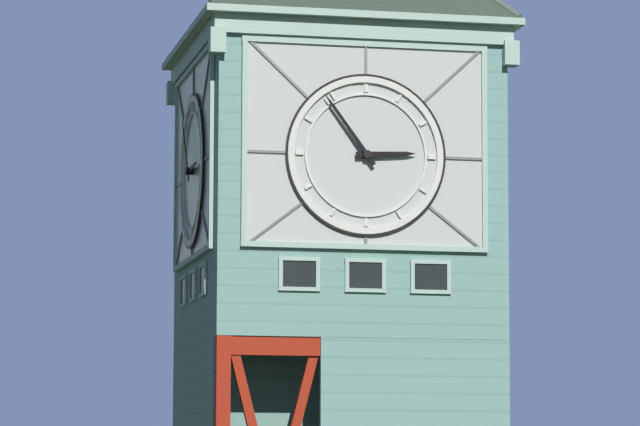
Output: 2h54
